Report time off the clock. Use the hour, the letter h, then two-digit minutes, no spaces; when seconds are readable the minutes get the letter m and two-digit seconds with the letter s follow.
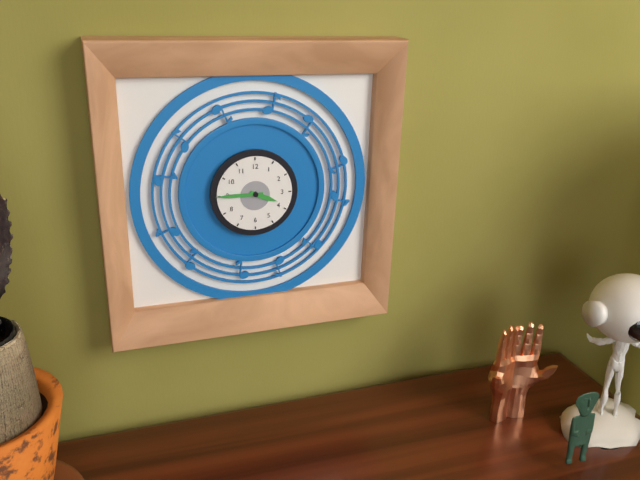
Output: 3h45
